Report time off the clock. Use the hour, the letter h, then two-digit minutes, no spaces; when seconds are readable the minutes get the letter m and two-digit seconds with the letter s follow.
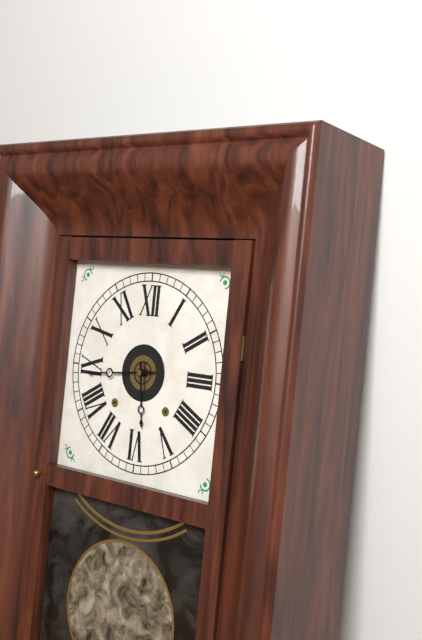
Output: 5h44
